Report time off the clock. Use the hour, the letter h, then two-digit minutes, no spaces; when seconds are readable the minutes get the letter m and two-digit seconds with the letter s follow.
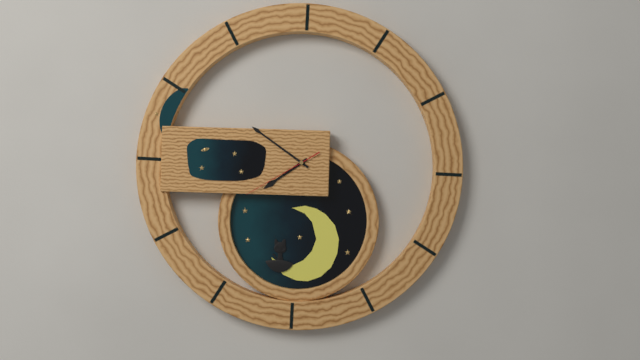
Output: 7h51m40s
